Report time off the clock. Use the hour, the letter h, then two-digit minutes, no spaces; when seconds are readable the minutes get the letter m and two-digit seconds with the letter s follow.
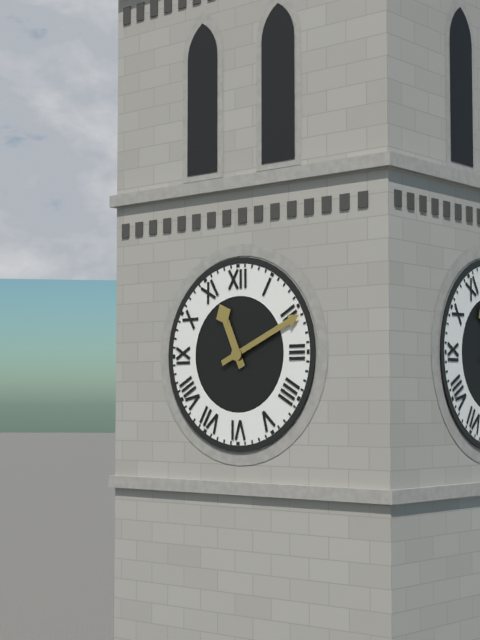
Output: 11h11
